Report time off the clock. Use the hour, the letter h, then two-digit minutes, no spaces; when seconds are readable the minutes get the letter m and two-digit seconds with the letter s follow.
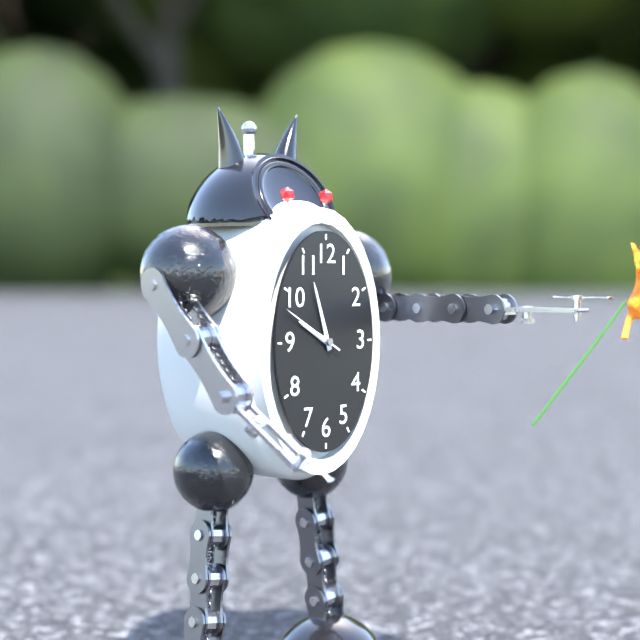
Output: 9h57m50s
